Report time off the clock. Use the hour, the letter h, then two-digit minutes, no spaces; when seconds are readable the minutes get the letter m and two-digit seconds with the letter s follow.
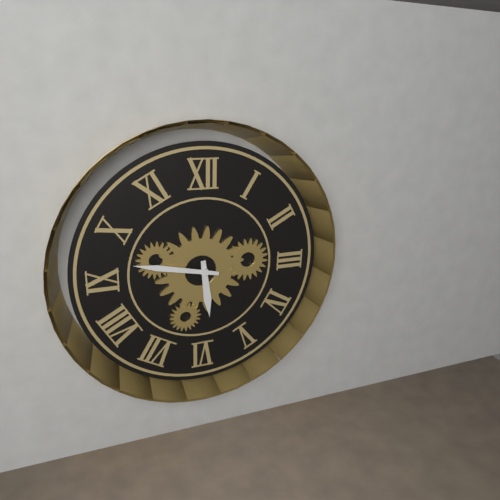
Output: 5h47
